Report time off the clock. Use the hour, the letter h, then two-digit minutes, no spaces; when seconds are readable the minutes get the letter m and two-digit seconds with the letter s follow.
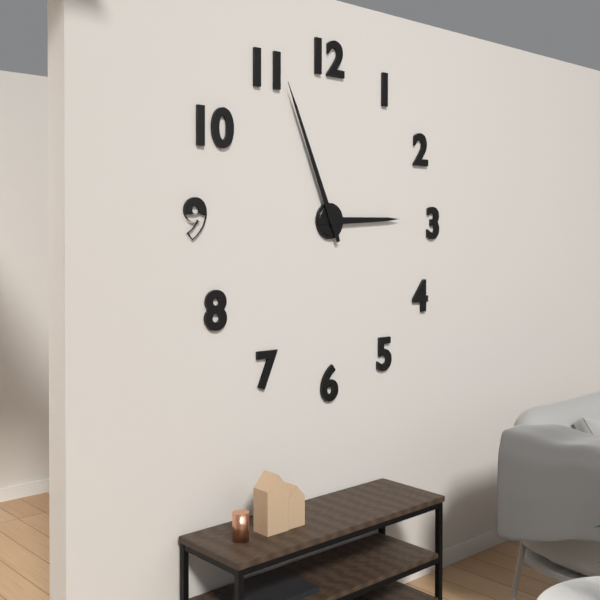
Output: 2h56
